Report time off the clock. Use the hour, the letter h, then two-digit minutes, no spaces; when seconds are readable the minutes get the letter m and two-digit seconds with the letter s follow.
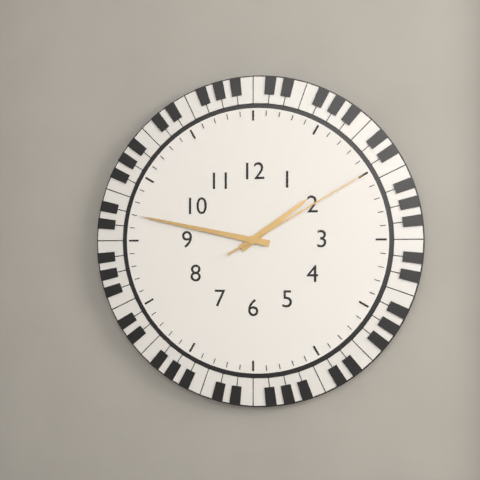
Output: 1h47m10s
